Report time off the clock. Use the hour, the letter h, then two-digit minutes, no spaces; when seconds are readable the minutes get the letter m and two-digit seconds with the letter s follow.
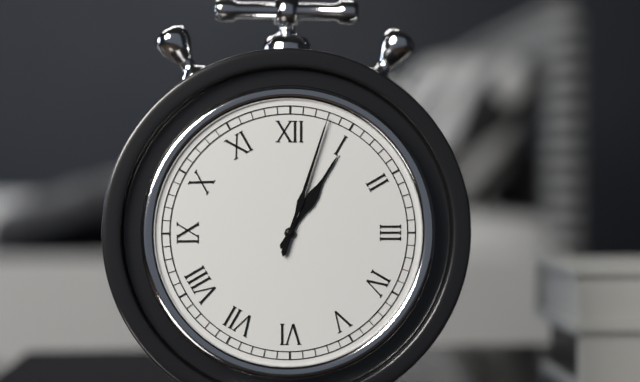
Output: 1h03
